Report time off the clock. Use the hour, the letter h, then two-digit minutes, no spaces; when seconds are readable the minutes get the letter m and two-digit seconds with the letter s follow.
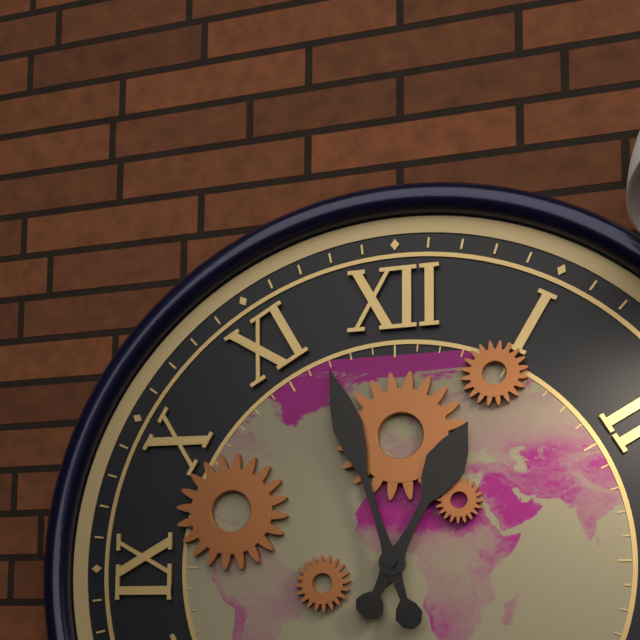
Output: 12h57
